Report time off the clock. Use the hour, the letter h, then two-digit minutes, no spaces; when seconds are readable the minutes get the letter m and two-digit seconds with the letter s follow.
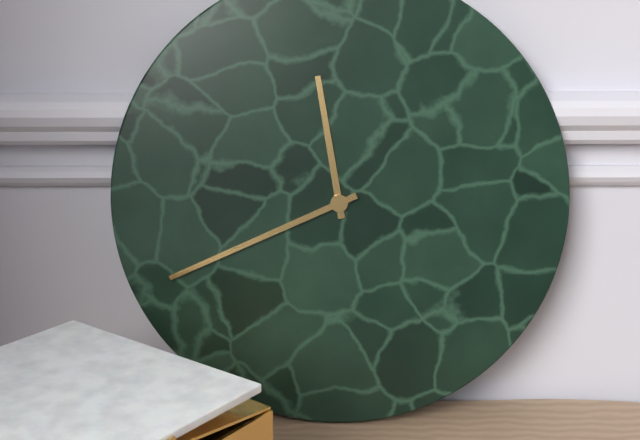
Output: 11h41
